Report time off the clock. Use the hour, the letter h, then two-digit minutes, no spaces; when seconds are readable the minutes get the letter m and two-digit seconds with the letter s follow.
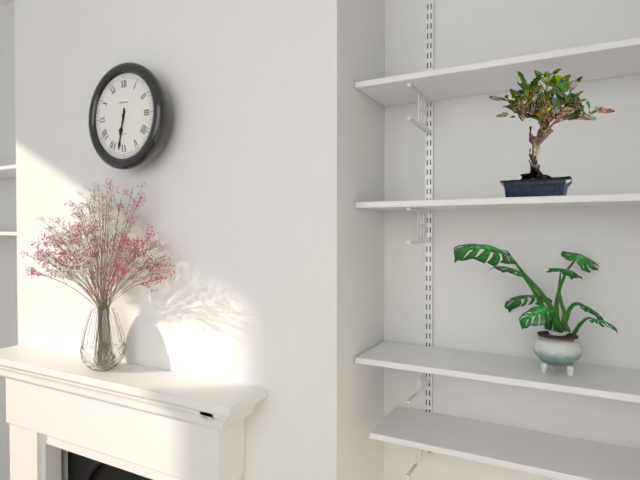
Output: 6h32
